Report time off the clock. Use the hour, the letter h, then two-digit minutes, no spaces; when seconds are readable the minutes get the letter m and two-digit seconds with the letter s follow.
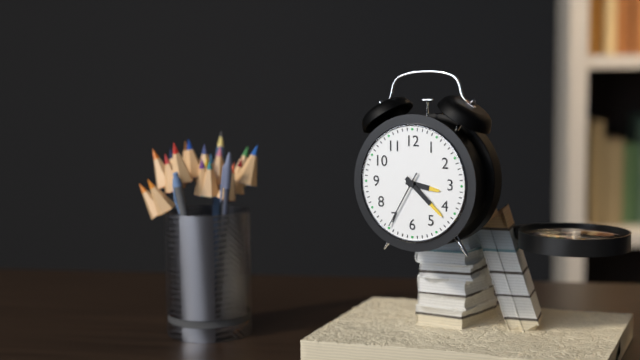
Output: 3h22m35s
